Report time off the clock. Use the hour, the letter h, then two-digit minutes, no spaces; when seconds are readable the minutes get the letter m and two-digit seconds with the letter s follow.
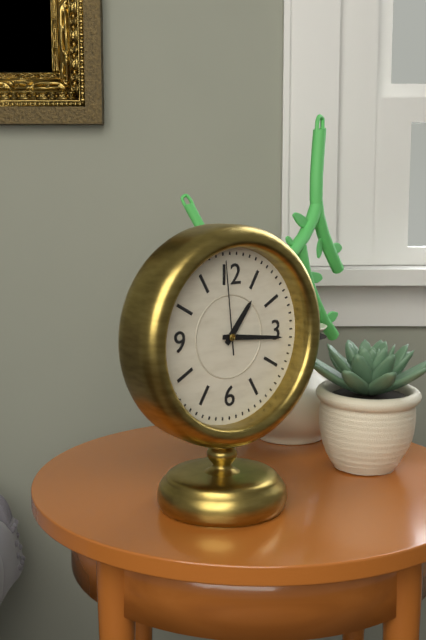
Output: 1h16m59s
